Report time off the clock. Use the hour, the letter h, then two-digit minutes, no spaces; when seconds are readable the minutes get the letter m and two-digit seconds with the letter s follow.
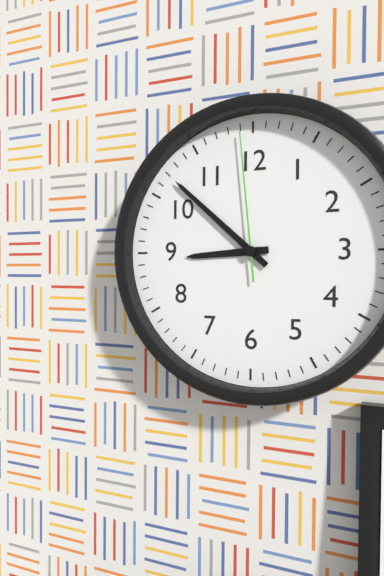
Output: 8h52m59s
